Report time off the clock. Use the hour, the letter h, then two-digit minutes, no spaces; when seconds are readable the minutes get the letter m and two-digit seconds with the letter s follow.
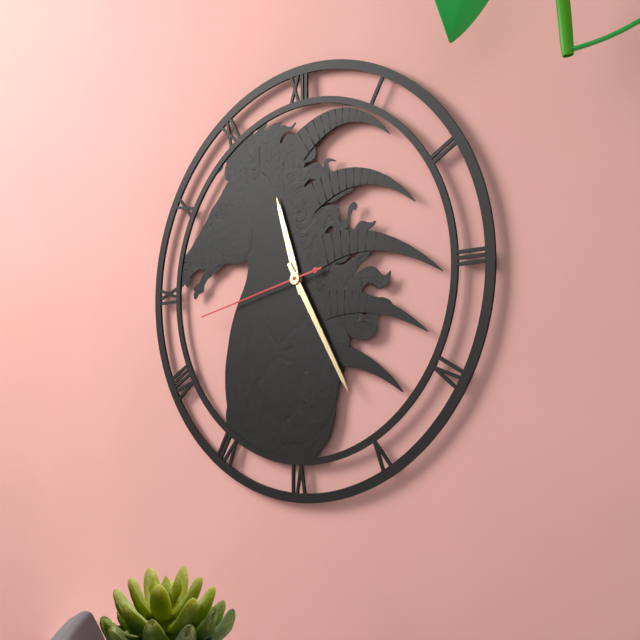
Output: 11h25m43s
